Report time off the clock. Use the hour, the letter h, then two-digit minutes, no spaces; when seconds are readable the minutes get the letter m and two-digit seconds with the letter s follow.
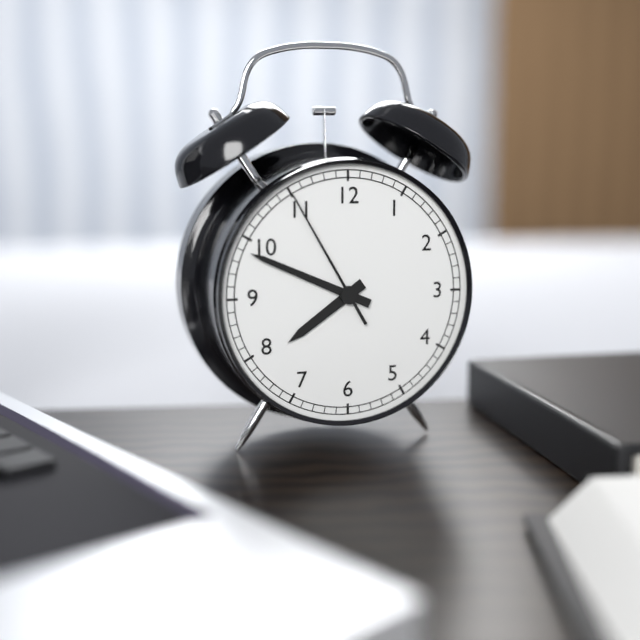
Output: 7h49m55s
